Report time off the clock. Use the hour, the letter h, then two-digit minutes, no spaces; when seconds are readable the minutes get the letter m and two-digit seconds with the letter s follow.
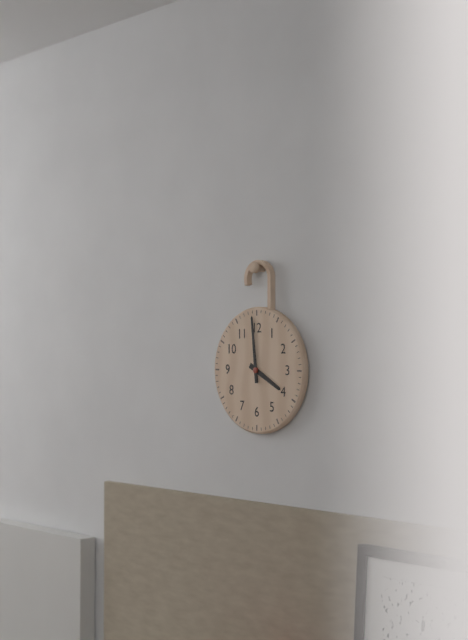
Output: 3h59
